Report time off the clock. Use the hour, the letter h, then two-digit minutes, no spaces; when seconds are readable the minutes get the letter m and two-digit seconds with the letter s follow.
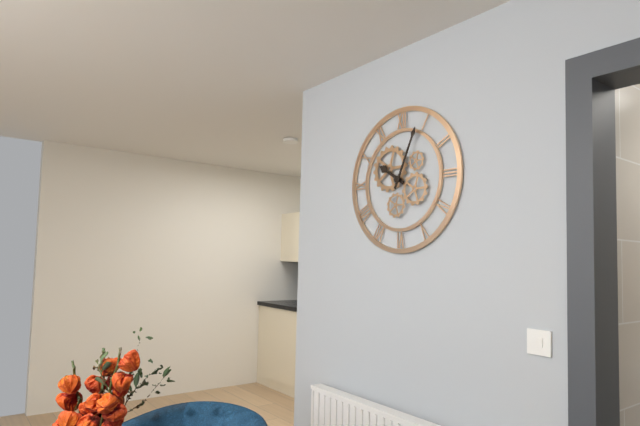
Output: 10h04
